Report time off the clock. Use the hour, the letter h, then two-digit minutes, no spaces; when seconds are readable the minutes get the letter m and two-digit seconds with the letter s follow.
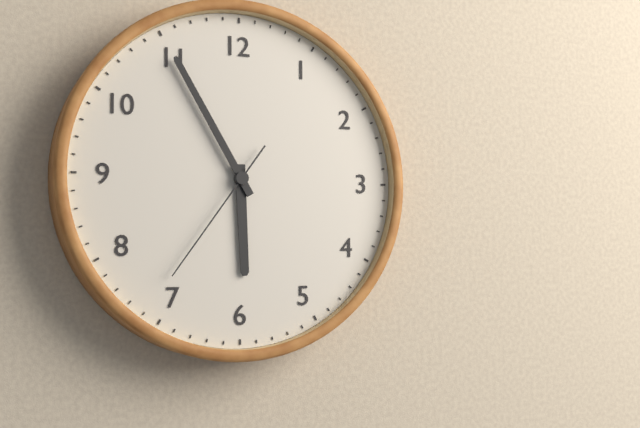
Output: 5h55m36s
